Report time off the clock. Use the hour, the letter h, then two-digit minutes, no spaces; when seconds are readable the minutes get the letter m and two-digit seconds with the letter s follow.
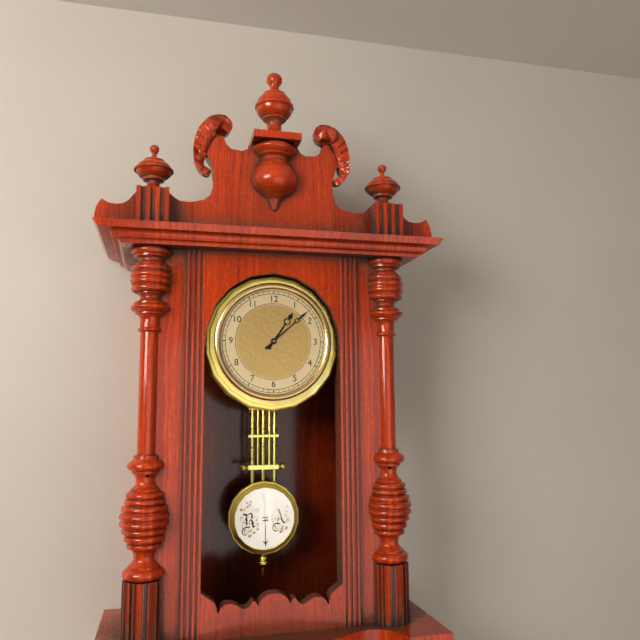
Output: 1h08
